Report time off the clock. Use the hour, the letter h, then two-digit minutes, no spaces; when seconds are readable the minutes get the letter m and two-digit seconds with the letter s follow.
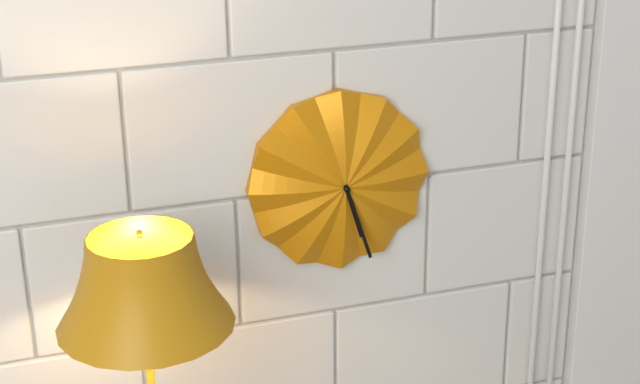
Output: 5h27
